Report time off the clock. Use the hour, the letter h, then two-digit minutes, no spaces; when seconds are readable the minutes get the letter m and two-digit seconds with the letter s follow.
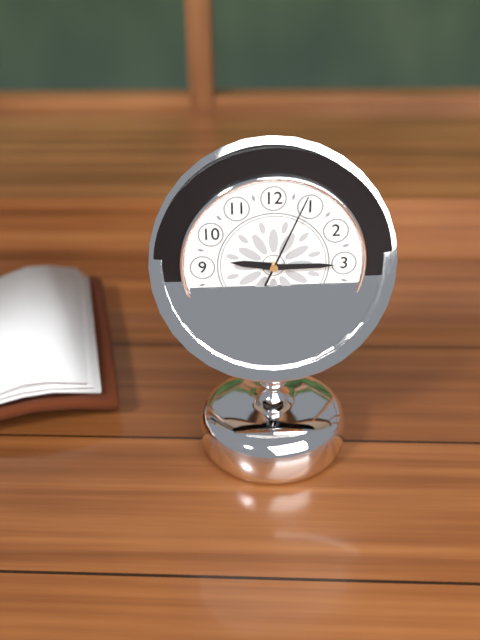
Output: 9h15m04s
